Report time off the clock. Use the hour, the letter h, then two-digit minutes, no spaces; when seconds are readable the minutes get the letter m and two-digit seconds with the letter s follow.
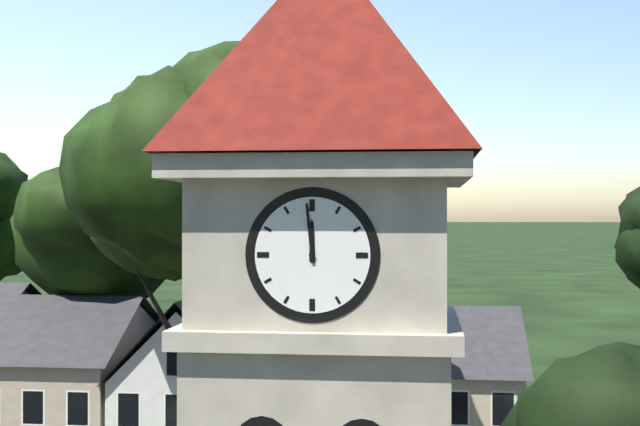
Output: 11h59
